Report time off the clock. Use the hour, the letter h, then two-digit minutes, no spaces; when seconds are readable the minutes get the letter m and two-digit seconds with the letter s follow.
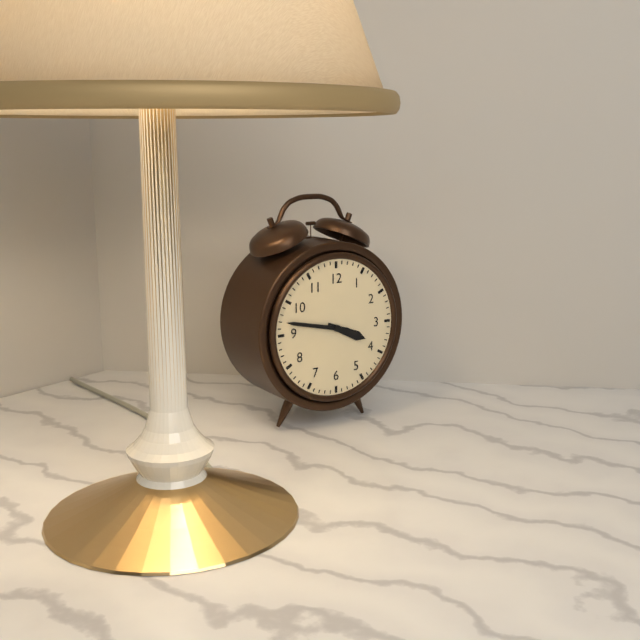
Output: 3h47
